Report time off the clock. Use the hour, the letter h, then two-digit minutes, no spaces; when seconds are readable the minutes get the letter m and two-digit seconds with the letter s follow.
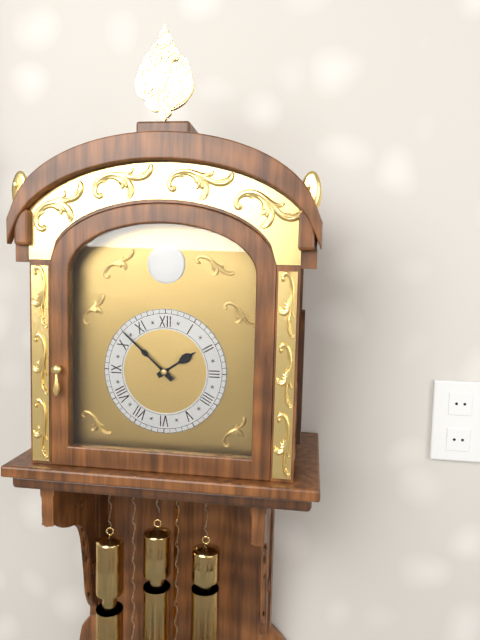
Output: 1h52
